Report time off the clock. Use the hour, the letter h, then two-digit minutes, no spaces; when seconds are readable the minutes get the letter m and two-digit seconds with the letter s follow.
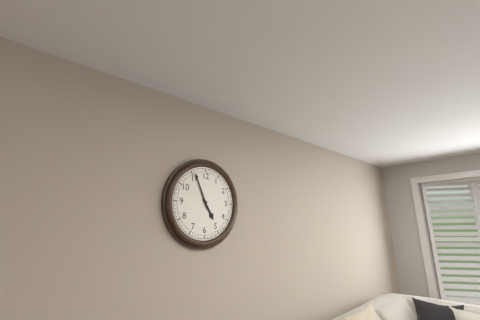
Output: 4h56
